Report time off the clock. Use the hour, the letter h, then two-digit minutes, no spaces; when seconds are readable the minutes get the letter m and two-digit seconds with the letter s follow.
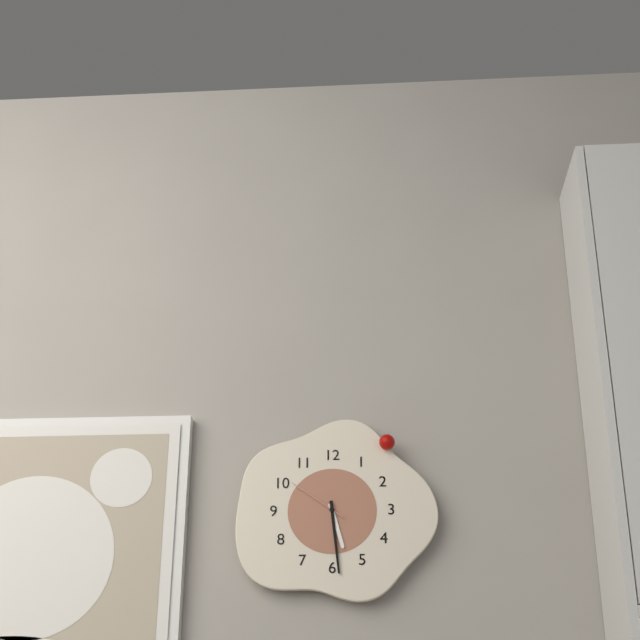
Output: 5h29m51s
